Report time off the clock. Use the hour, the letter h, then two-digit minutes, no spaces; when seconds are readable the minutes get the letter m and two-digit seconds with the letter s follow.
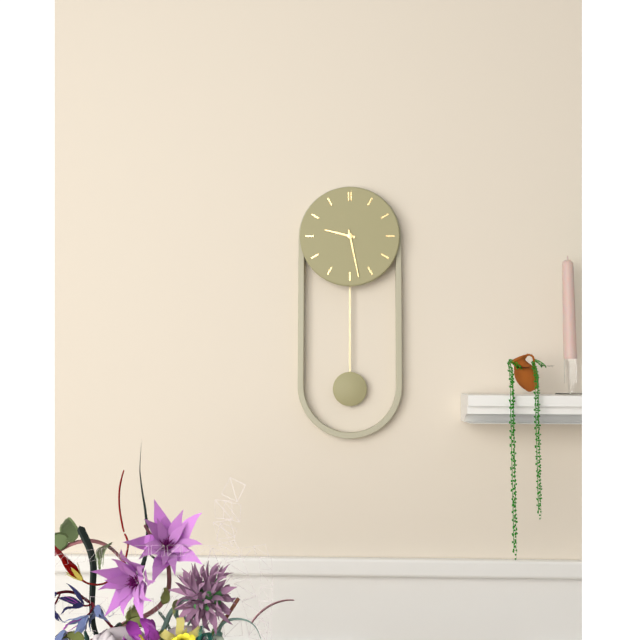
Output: 9h28
